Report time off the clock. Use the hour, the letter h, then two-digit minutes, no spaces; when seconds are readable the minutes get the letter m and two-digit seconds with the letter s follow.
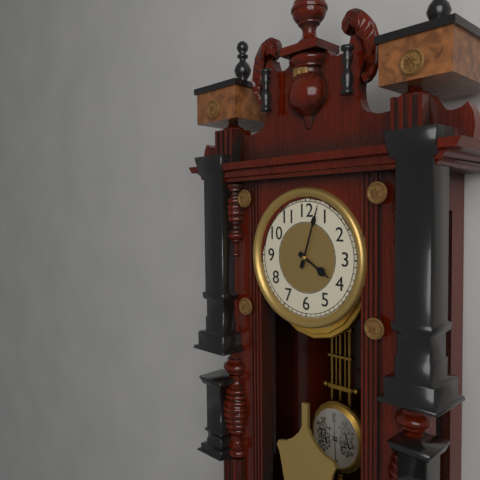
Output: 4h03
